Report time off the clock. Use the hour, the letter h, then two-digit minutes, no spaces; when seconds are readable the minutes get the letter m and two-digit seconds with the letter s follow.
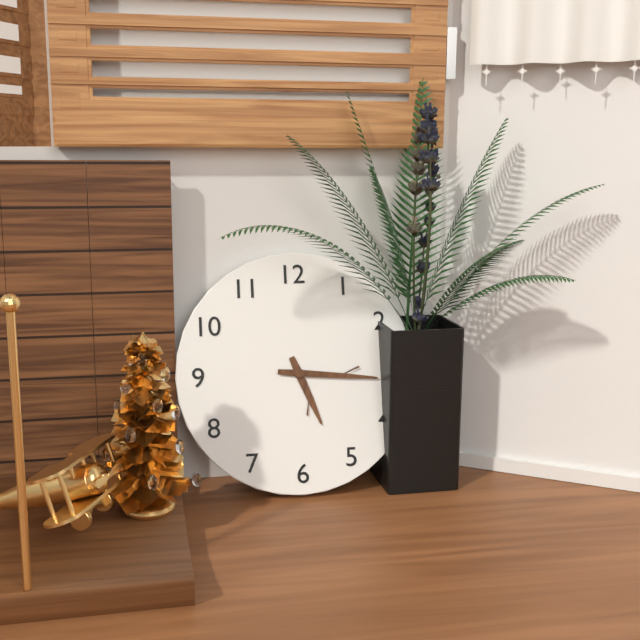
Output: 5h16
